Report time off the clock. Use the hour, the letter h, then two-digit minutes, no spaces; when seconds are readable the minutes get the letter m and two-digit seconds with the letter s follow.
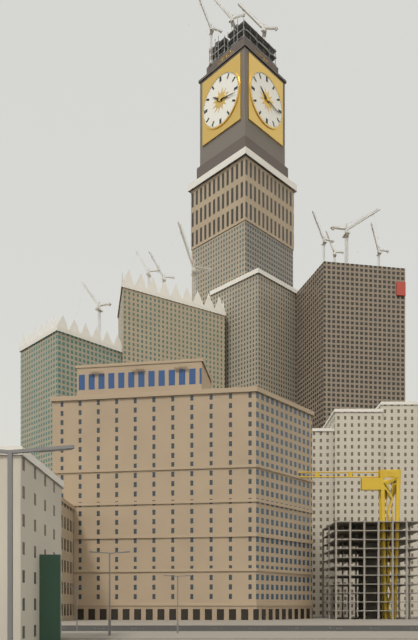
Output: 10h17
